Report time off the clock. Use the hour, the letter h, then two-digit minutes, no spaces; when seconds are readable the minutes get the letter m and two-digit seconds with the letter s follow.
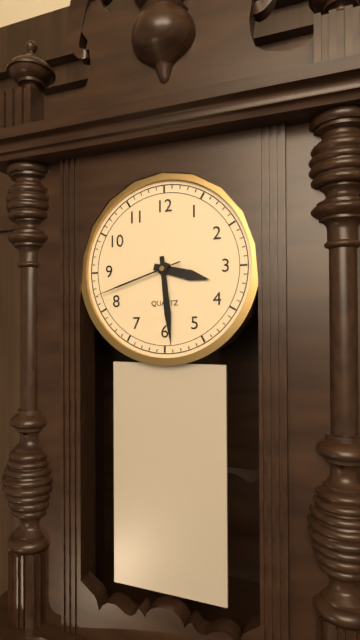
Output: 3h29m42s
